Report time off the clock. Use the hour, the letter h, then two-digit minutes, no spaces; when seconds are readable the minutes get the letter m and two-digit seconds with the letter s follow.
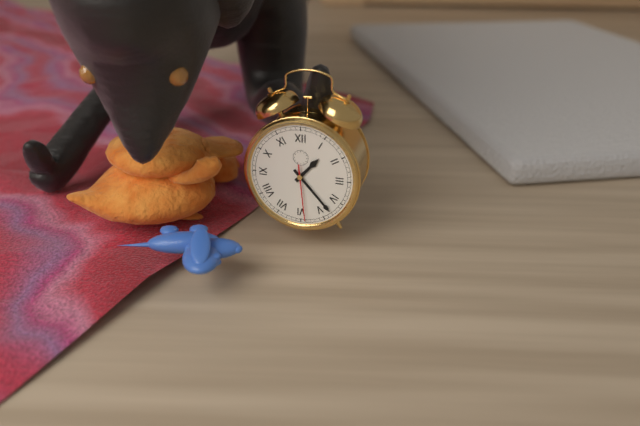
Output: 1h23m29s
